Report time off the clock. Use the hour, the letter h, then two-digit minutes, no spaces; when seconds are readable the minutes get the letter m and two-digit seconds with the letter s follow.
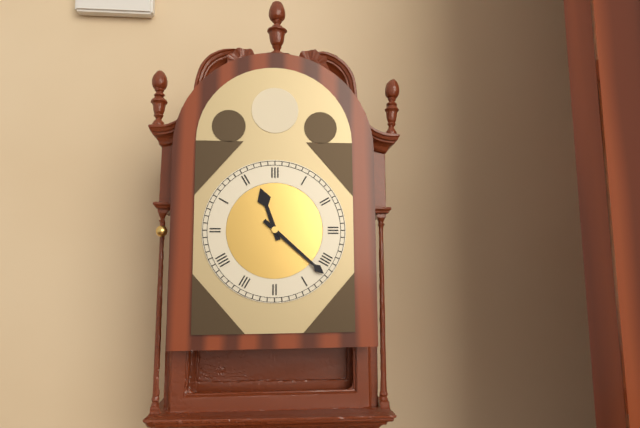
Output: 11h22
